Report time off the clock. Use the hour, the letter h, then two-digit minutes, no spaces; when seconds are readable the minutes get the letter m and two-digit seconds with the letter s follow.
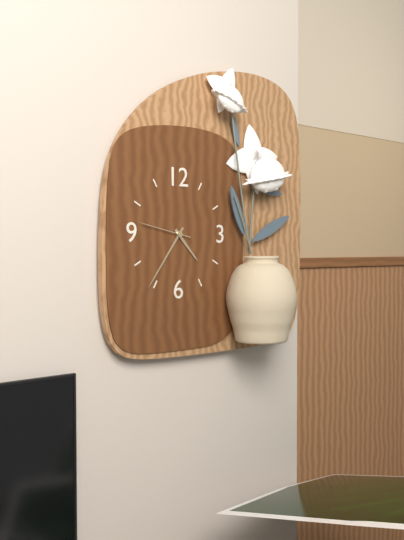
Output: 4h36
